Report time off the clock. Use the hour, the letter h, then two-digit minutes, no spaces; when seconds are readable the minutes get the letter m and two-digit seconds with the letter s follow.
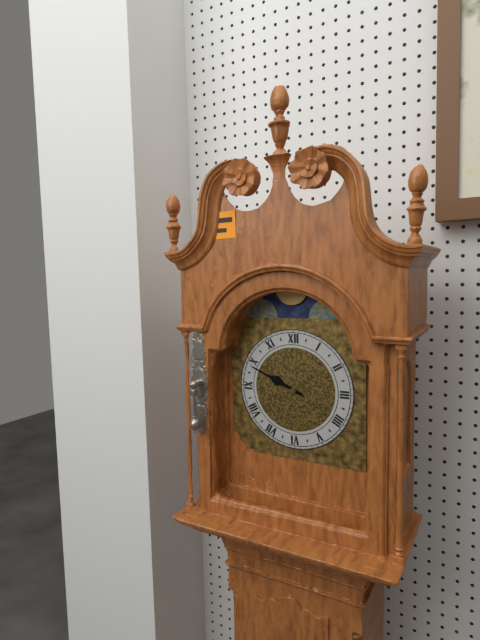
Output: 9h49
